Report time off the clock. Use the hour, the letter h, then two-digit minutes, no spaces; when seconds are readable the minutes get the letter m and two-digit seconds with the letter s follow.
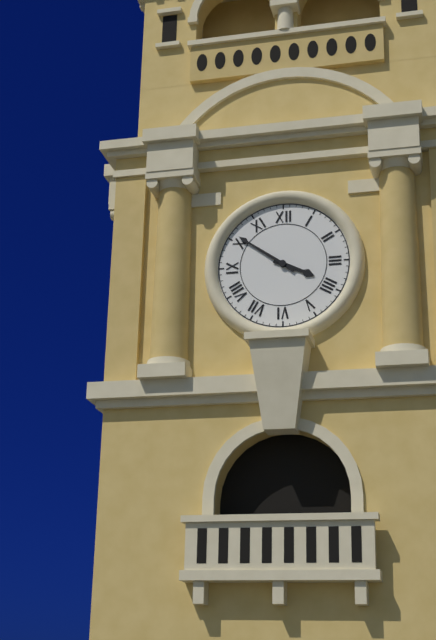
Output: 3h51
